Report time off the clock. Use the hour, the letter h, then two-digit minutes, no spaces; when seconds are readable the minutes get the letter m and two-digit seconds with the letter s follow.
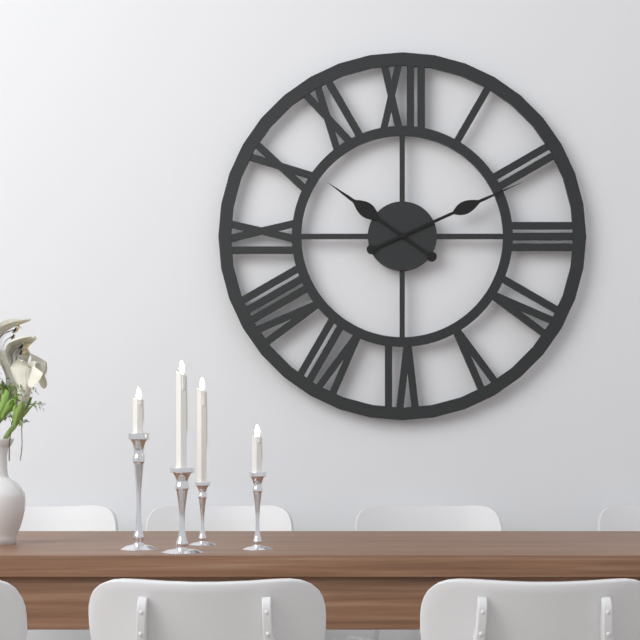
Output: 10h11
